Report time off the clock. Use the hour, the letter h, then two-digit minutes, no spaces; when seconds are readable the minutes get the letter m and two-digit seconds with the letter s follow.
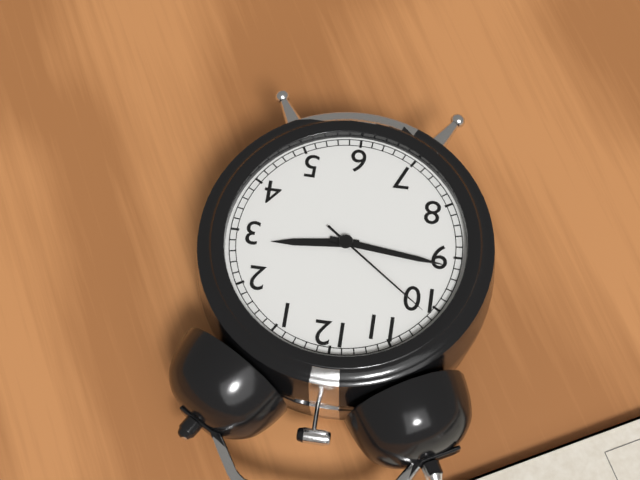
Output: 2h46m51s
